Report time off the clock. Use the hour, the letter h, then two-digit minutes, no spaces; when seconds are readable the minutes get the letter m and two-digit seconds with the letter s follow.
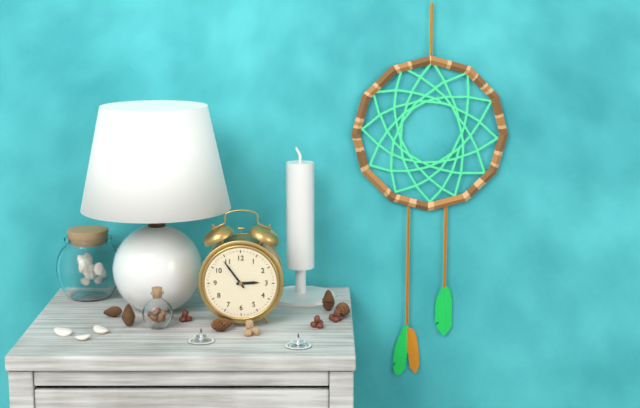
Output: 2h54
